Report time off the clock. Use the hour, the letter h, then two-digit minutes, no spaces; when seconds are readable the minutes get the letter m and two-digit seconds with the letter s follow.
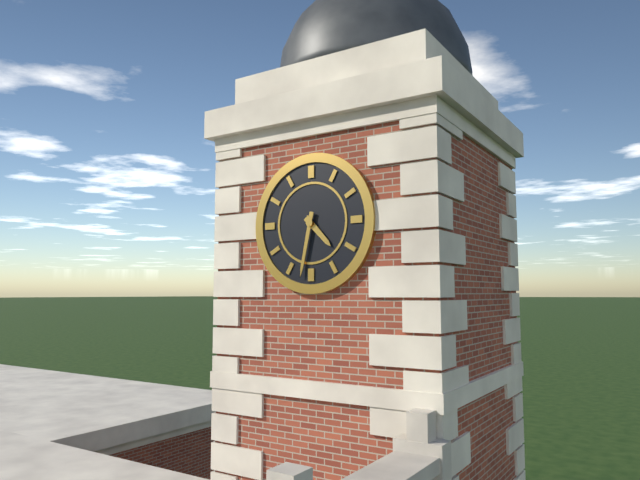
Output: 4h32
